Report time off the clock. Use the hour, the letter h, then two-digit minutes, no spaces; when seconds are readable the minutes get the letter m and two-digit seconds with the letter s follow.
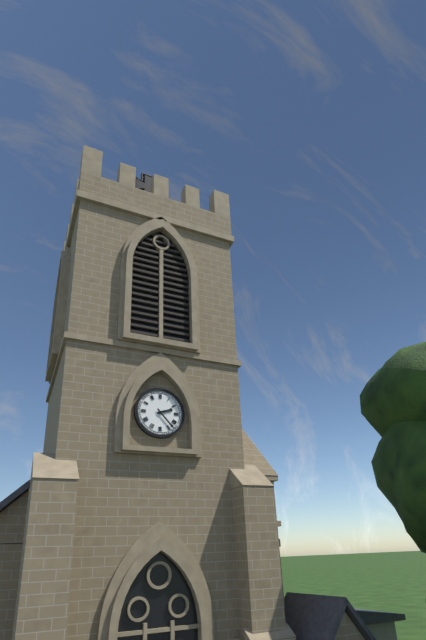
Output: 2h23
